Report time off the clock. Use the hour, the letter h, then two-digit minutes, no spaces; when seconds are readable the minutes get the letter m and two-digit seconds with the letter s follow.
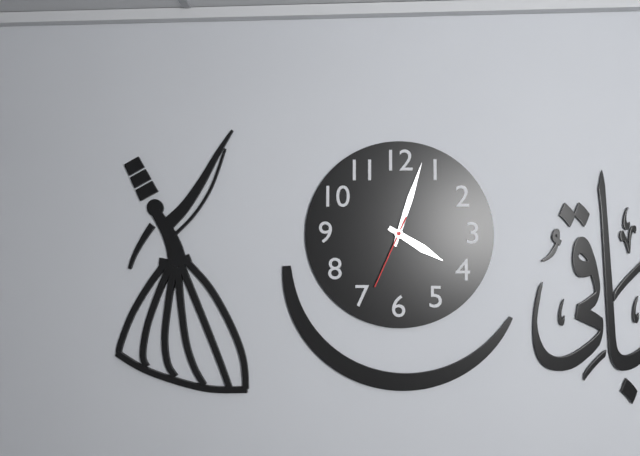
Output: 4h03m34s
